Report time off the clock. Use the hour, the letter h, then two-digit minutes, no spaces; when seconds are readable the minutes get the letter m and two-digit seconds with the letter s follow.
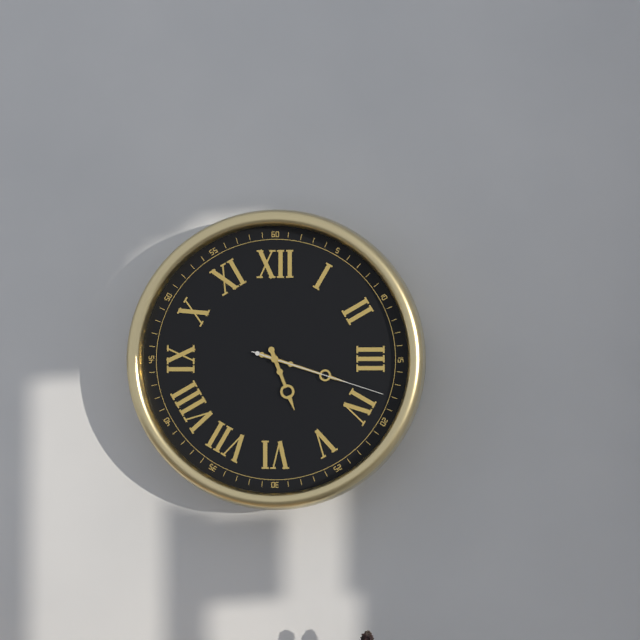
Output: 5h18m18s
